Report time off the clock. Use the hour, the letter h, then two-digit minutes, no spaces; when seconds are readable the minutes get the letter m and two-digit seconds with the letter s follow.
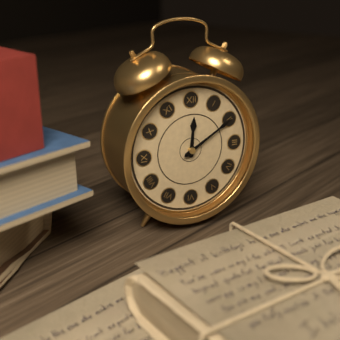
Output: 12h10
